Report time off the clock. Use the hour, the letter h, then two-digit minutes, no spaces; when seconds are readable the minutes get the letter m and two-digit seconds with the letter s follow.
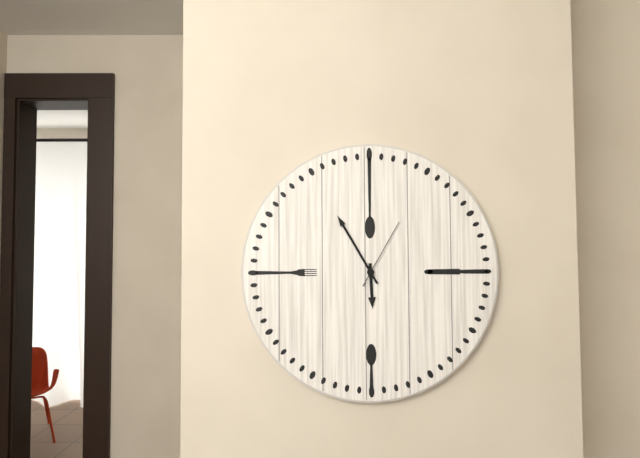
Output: 5h55m05s
